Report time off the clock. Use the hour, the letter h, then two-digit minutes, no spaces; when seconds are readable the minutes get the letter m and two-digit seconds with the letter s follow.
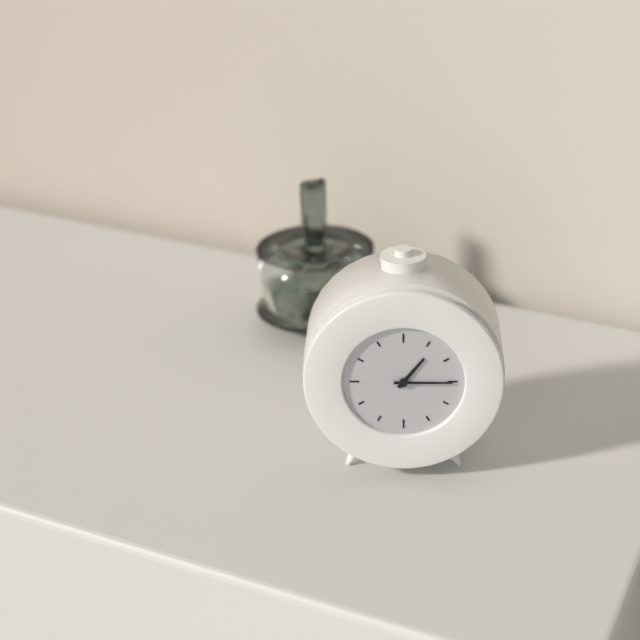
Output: 1h15
